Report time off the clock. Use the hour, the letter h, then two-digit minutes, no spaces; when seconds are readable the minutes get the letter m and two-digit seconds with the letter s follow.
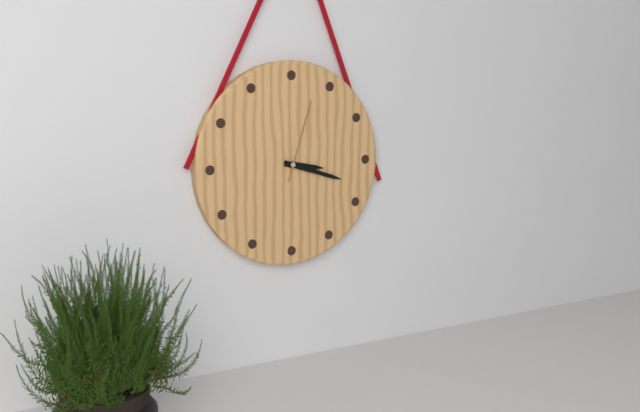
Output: 3h18m03s
